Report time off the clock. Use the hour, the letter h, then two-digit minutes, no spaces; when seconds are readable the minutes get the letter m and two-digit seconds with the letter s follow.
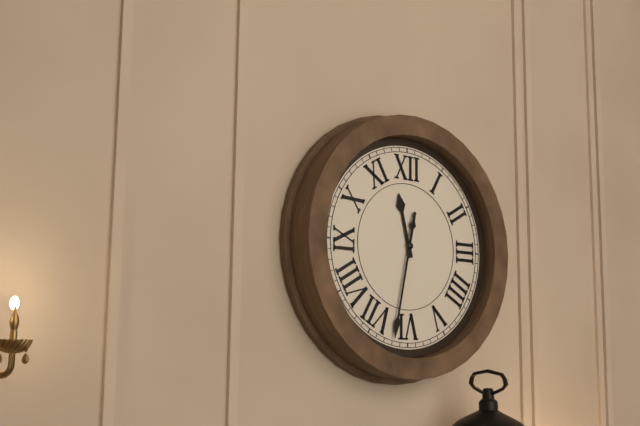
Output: 11h32
